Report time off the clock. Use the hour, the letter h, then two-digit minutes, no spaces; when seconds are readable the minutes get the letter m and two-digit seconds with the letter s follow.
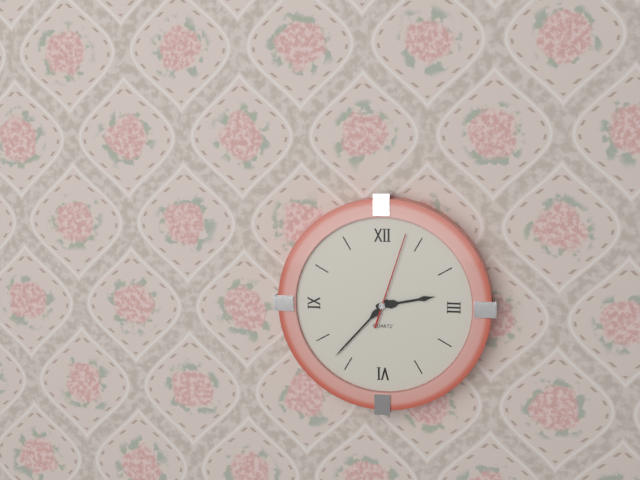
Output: 2h37m03s
